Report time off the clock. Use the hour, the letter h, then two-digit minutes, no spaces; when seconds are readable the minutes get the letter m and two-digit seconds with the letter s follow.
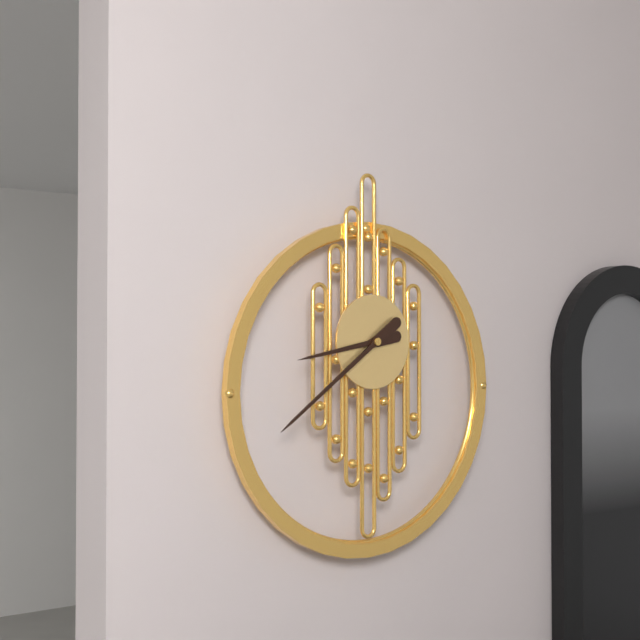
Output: 8h39
